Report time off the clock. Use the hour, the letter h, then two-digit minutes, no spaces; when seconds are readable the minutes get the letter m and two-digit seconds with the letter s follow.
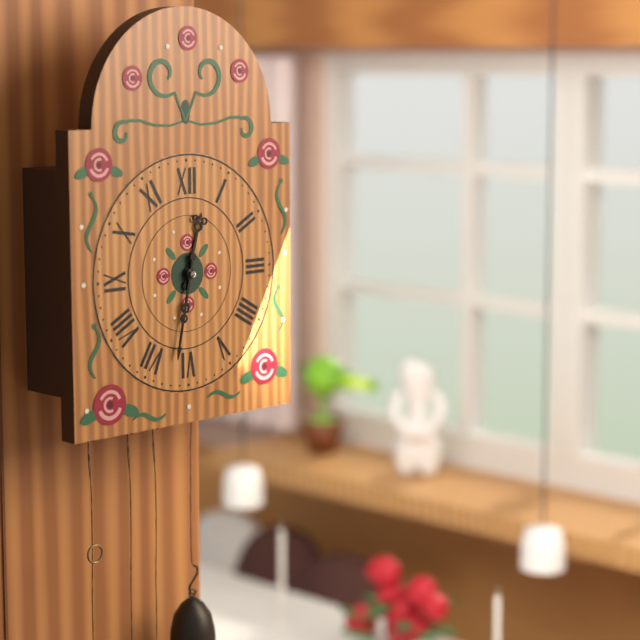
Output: 12h32
